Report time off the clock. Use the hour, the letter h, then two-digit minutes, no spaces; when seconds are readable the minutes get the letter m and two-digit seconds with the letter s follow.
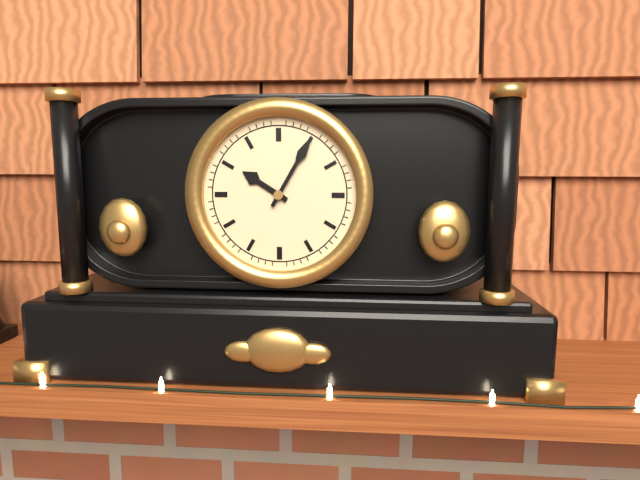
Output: 10h05
